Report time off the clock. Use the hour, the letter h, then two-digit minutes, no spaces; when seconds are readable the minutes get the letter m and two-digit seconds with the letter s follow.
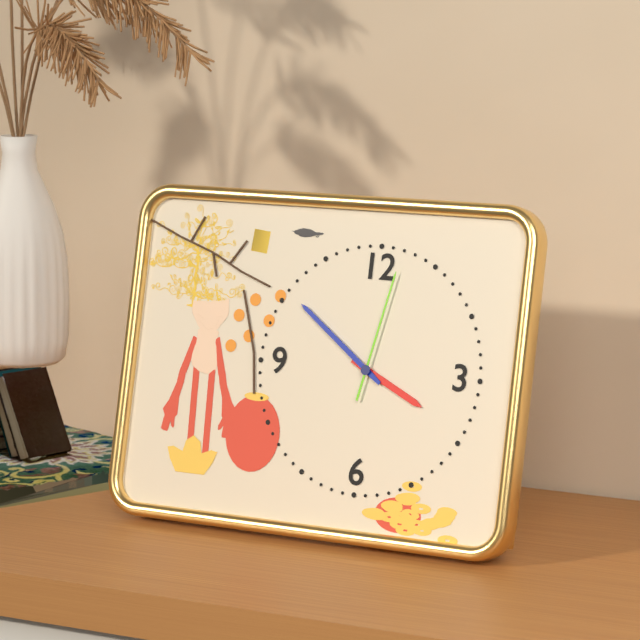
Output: 3h51m02s
